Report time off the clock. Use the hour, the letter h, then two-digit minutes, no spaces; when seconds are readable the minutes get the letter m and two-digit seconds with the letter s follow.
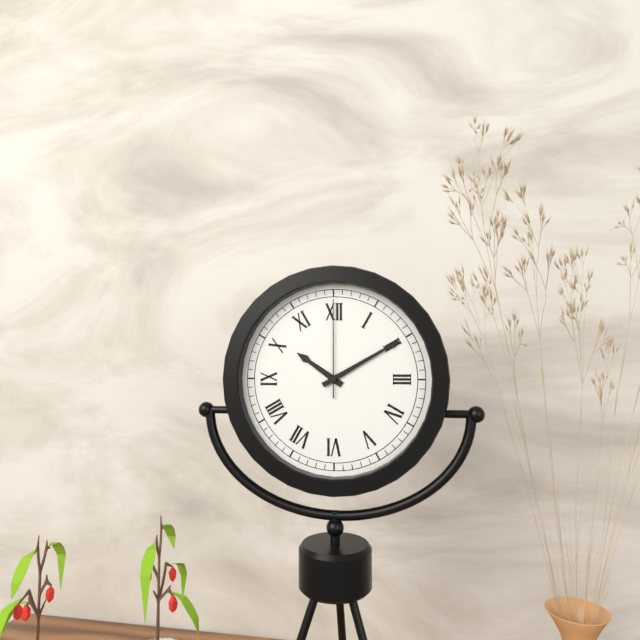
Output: 10h10m00s
